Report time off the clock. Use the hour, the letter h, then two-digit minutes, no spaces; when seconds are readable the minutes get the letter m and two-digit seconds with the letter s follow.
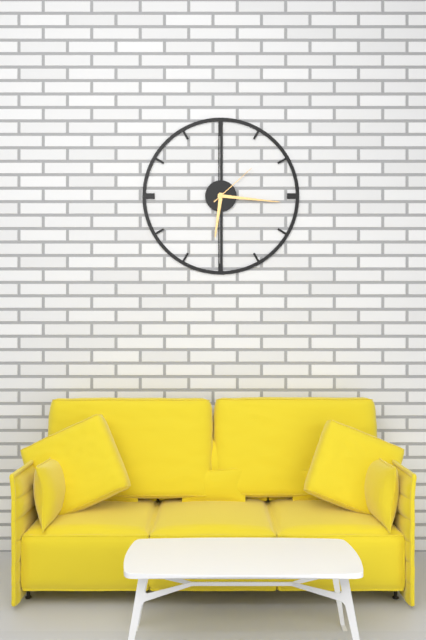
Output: 6h16m08s
